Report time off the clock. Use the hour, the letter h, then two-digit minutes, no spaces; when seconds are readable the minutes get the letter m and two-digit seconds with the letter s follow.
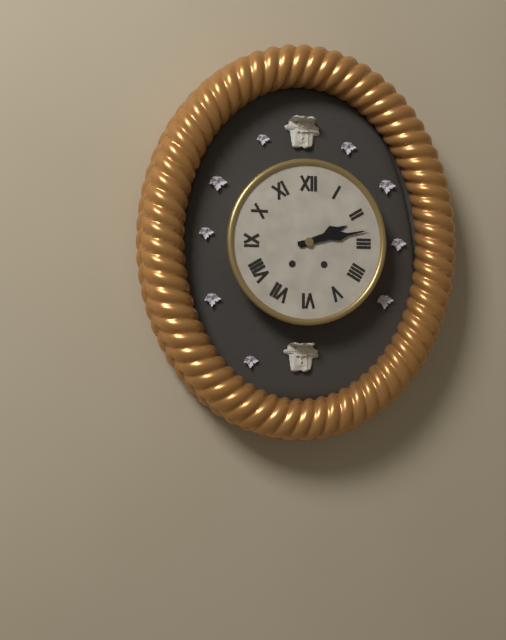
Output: 2h13
